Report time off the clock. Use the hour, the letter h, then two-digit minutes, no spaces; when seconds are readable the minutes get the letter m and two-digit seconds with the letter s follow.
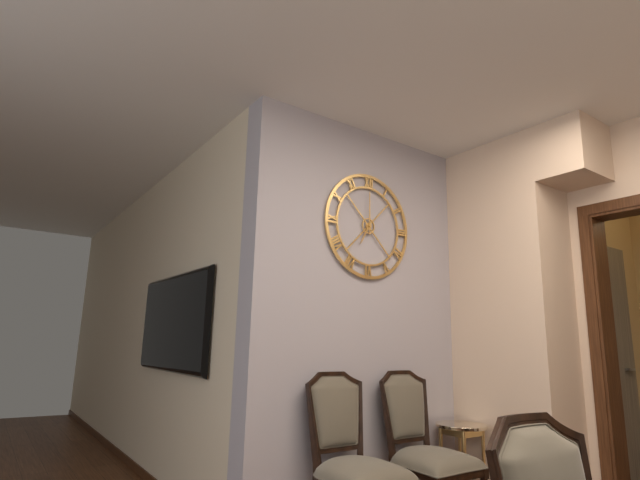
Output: 7h00
